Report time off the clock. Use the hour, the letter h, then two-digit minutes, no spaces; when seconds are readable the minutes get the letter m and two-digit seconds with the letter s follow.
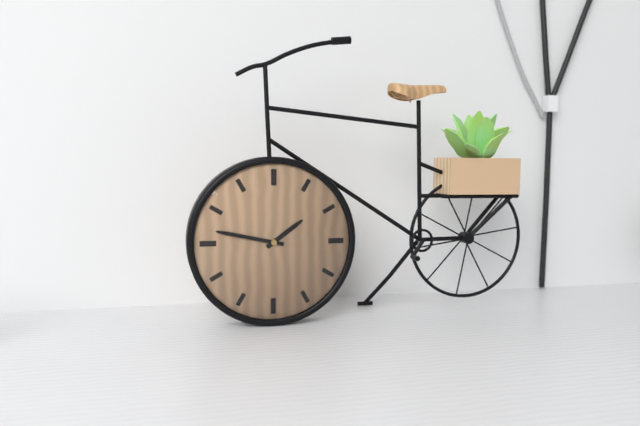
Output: 1h47
